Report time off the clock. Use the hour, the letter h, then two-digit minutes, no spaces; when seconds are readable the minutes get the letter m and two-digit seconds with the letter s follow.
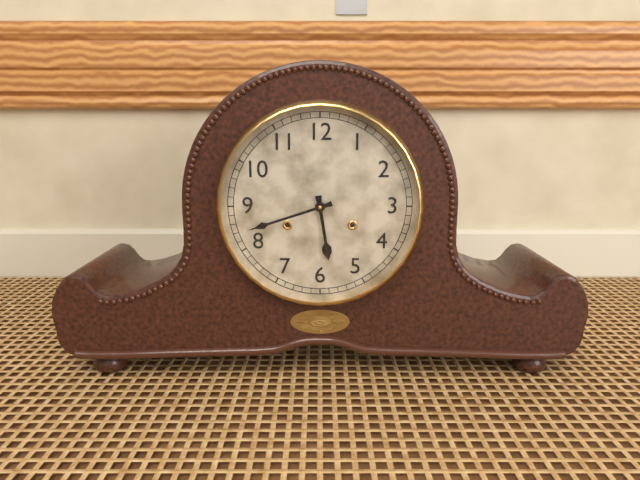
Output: 5h42
